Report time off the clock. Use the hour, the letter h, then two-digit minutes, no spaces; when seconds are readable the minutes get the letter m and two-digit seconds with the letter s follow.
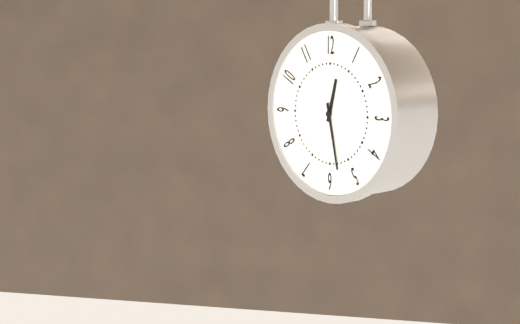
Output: 12h28
